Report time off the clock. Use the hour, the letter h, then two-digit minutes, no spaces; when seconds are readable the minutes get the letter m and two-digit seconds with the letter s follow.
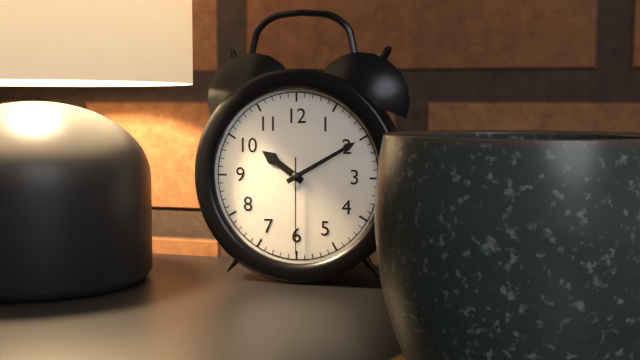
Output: 10h10m30s
